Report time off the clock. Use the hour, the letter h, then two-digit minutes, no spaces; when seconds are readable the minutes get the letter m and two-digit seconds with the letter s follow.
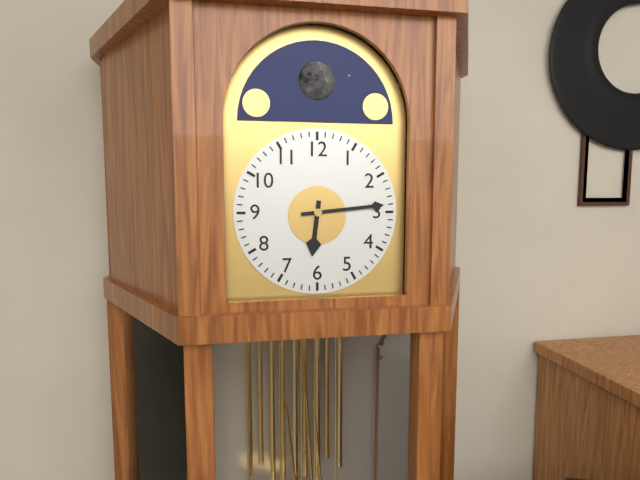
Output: 6h14
